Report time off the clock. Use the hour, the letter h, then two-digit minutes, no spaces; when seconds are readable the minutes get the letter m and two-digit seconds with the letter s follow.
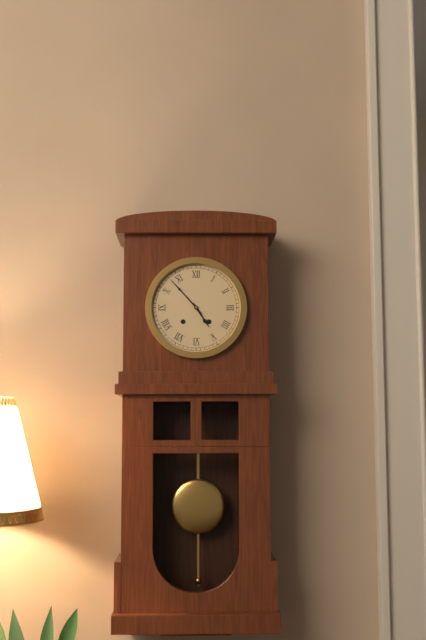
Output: 4h53
